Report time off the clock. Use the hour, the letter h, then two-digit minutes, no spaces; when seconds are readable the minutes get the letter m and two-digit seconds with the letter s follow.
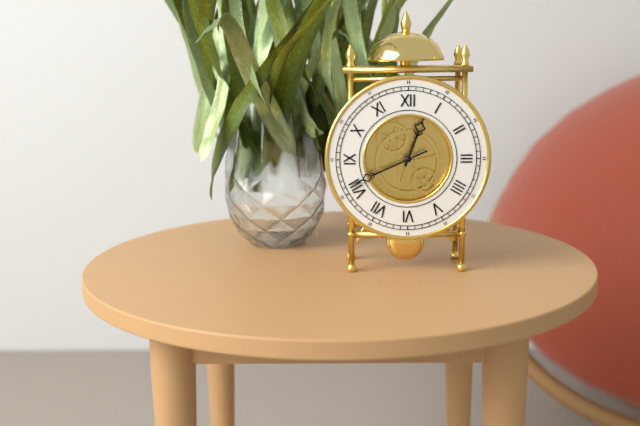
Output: 12h41
